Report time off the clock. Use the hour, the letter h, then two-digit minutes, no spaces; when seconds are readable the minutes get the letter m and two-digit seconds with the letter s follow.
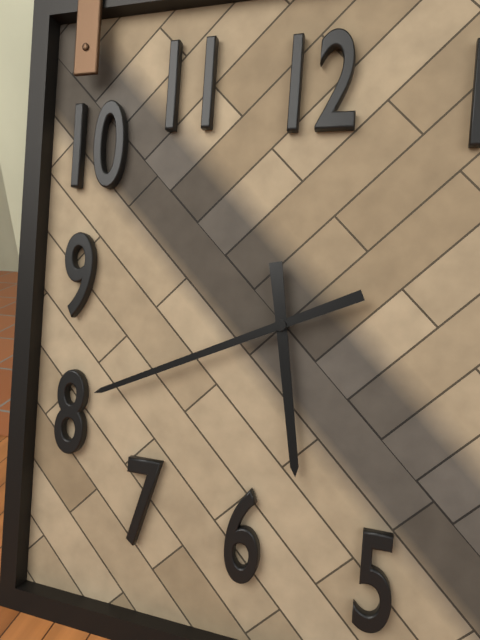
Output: 5h41
